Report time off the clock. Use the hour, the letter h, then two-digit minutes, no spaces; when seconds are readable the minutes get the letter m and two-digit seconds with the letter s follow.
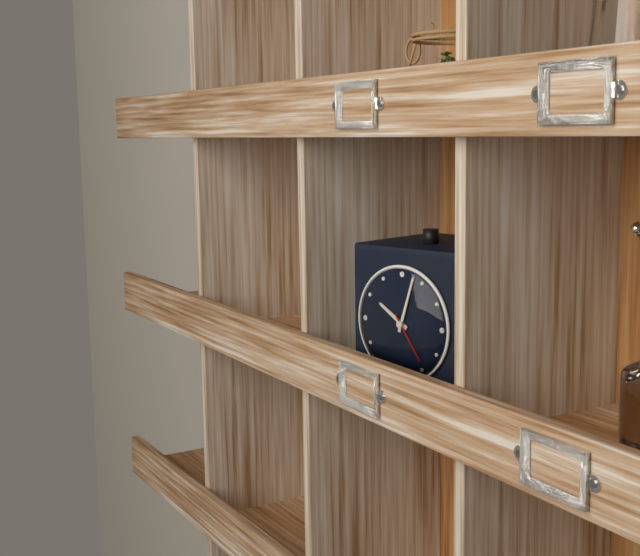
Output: 10h03m24s
